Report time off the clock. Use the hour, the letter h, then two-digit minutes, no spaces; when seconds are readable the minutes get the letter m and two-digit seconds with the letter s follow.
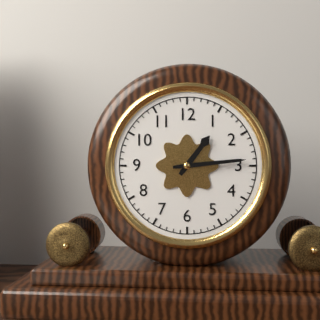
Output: 1h14
